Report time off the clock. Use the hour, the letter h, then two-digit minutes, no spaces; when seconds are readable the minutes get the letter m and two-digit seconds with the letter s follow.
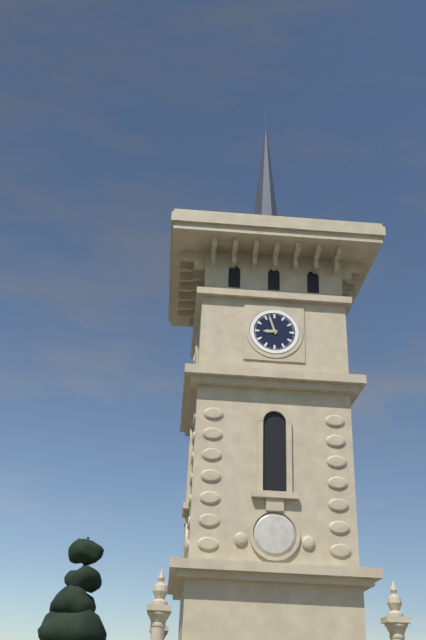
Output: 8h57
